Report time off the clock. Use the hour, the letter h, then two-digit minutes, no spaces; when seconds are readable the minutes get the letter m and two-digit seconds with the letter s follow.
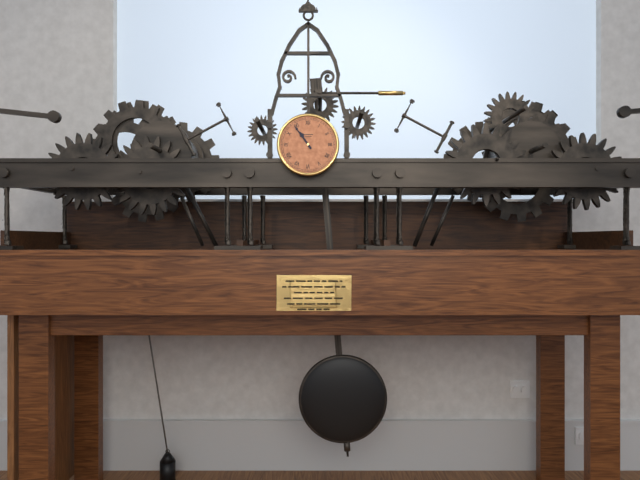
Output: 10h54
